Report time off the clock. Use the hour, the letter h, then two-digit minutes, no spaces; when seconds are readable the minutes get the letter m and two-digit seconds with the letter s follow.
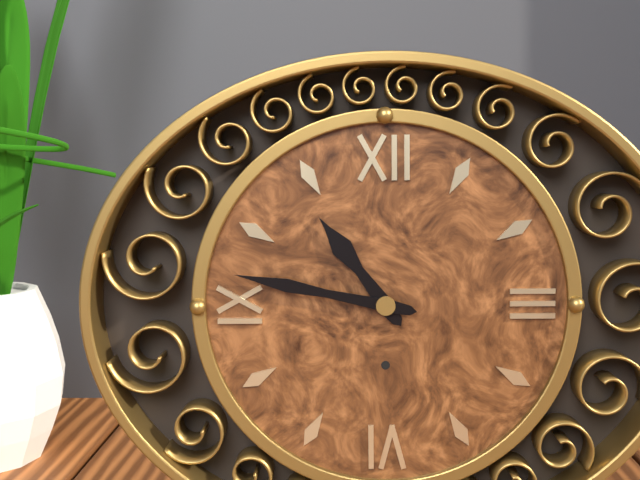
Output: 10h47
